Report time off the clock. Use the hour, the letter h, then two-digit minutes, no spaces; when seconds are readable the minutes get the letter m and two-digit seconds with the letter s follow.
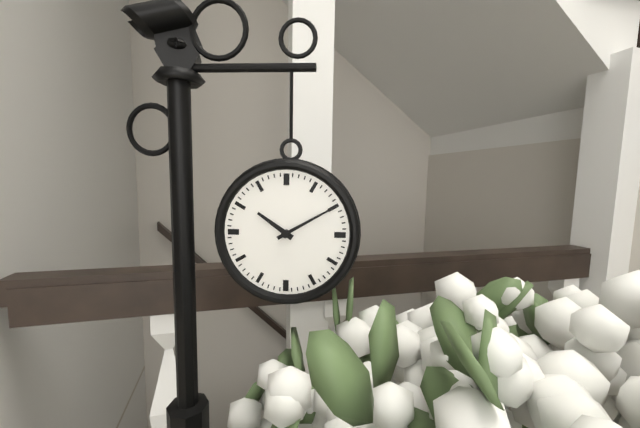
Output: 10h10
